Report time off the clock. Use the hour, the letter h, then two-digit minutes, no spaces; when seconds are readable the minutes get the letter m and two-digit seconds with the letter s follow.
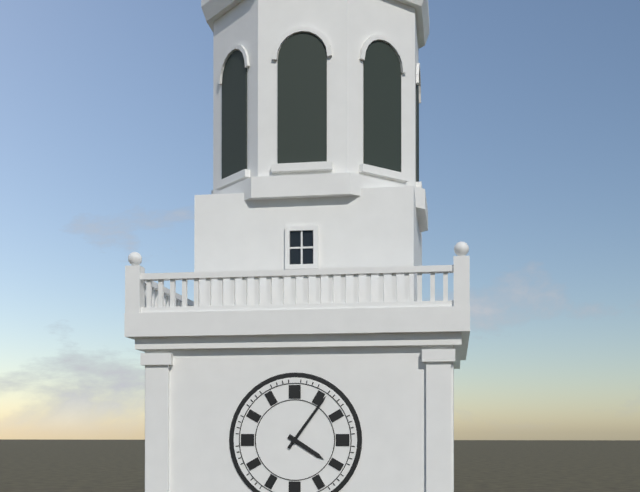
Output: 4h06
